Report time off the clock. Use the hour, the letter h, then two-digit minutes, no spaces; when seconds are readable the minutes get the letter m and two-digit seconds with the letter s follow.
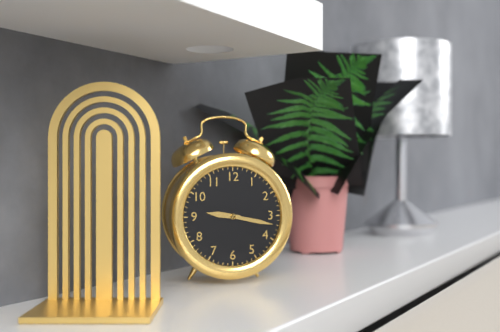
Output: 9h17
